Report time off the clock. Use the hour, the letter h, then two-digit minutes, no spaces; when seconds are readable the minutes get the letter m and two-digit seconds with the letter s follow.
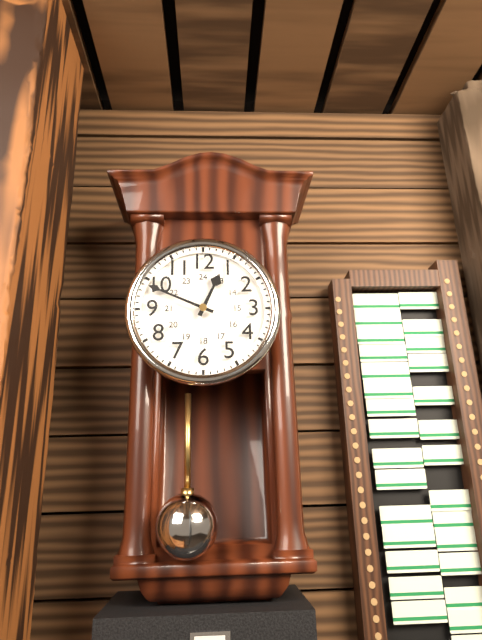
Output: 12h49
